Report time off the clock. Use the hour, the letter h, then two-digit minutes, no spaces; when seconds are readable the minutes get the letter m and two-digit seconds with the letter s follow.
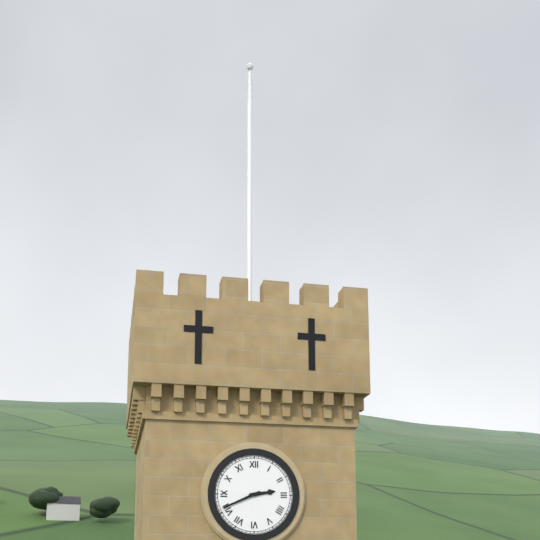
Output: 2h41
